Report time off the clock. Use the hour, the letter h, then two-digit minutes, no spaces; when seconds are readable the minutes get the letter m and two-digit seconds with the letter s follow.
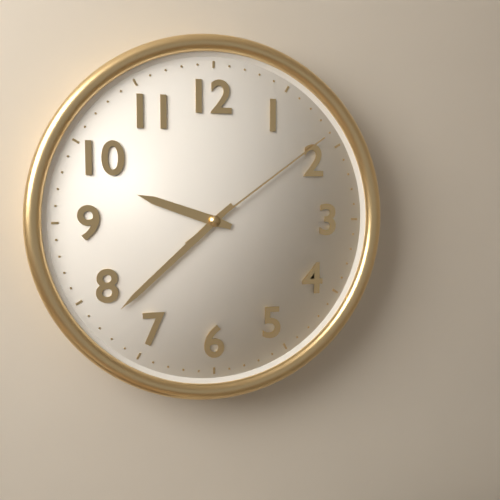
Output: 9h38m09s
